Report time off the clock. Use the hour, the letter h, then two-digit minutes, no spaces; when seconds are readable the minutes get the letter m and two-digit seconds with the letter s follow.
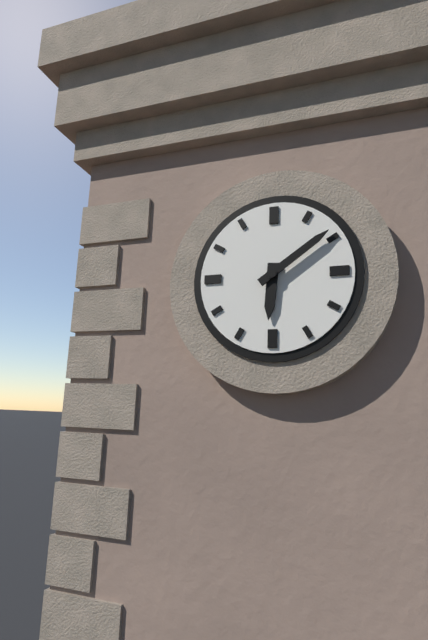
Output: 6h09
